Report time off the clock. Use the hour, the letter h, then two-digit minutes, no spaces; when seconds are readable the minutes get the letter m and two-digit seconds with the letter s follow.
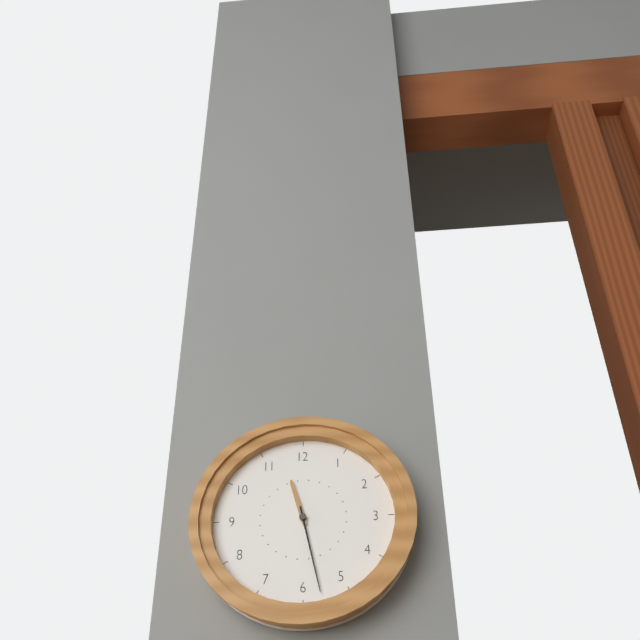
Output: 11h28
